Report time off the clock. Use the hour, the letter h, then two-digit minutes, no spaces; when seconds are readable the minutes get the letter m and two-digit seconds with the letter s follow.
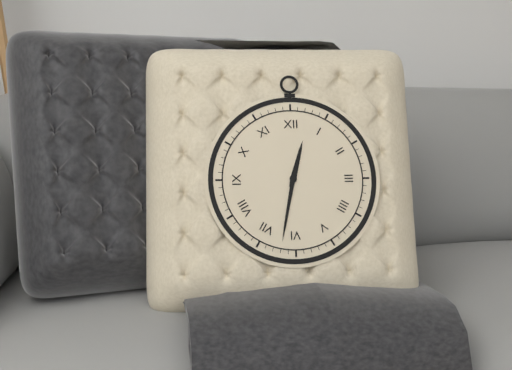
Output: 12h32
